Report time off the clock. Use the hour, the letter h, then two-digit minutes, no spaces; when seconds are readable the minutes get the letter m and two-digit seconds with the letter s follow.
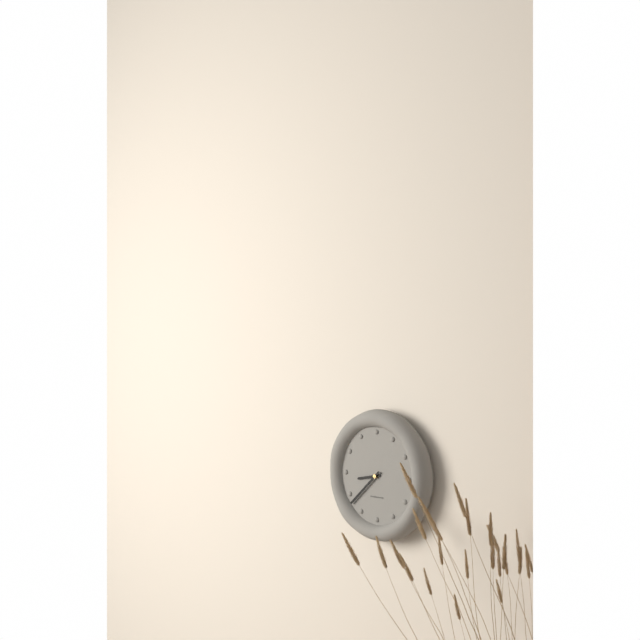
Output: 8h38
